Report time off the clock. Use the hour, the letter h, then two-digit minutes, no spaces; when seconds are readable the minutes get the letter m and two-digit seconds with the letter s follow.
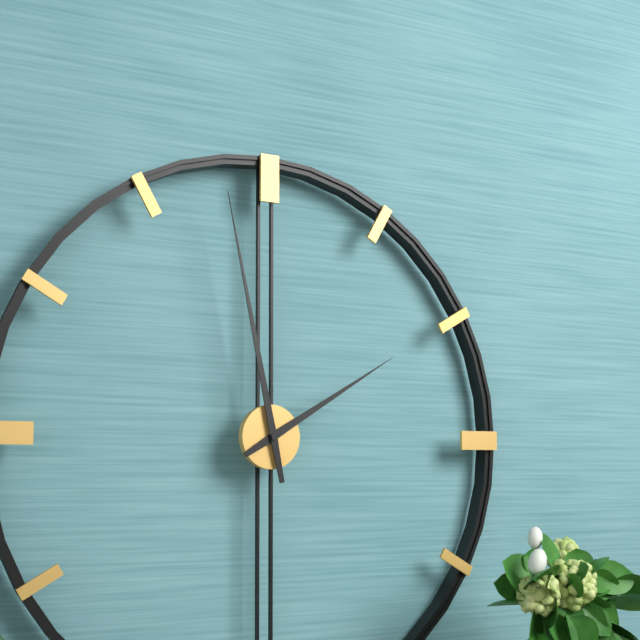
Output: 1h58
